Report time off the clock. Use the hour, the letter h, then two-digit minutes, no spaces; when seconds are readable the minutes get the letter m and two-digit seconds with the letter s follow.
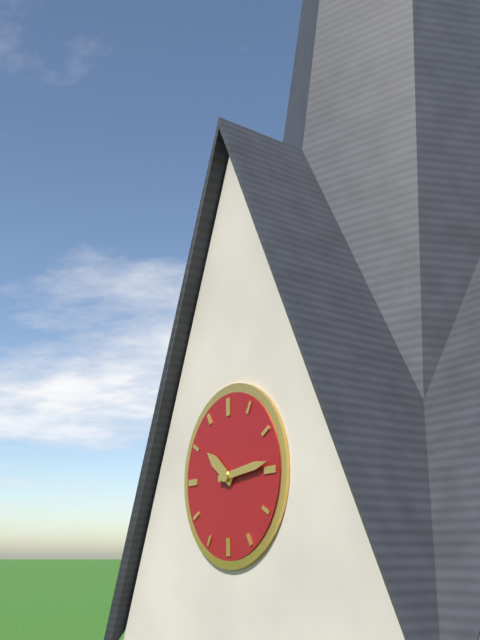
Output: 10h14
